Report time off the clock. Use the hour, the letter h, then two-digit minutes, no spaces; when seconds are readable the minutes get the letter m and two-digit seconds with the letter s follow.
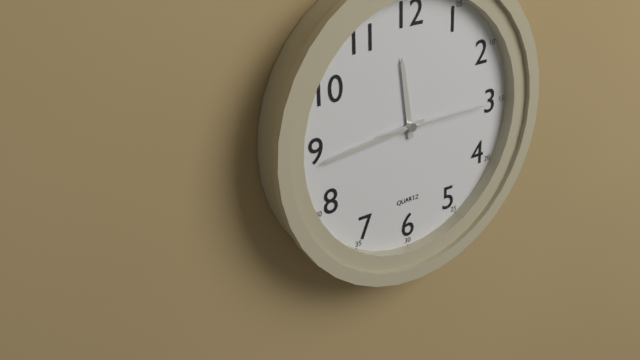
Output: 11h44m15s
